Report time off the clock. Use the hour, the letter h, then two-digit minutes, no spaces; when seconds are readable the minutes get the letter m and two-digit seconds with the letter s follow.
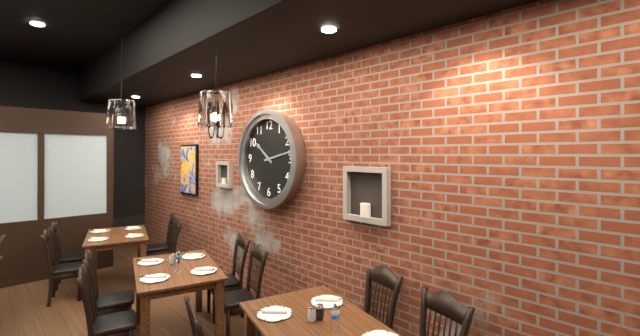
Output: 10h13
